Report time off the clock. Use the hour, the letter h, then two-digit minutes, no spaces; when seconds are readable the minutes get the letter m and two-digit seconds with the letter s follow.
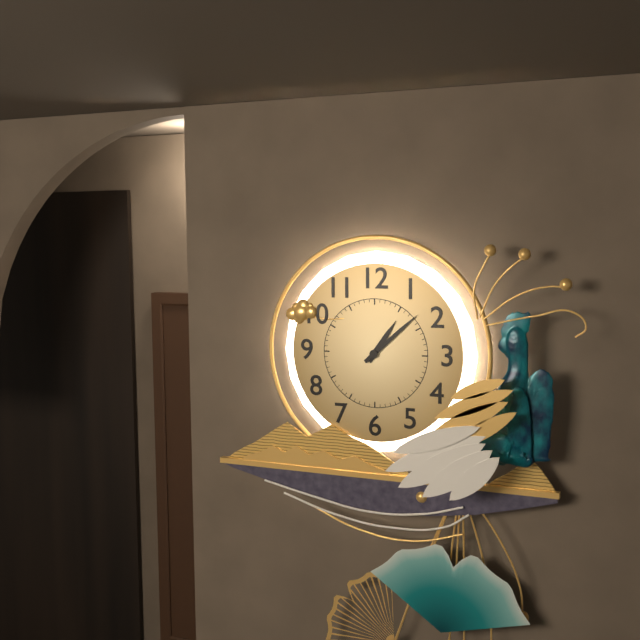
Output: 1h08
